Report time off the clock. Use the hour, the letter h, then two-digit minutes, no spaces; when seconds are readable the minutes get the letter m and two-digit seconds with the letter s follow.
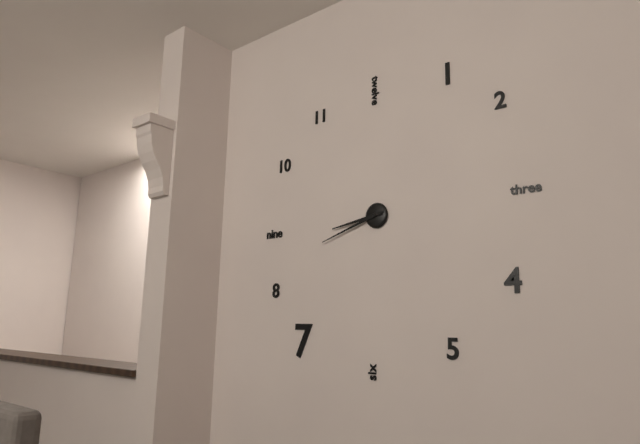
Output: 8h42
